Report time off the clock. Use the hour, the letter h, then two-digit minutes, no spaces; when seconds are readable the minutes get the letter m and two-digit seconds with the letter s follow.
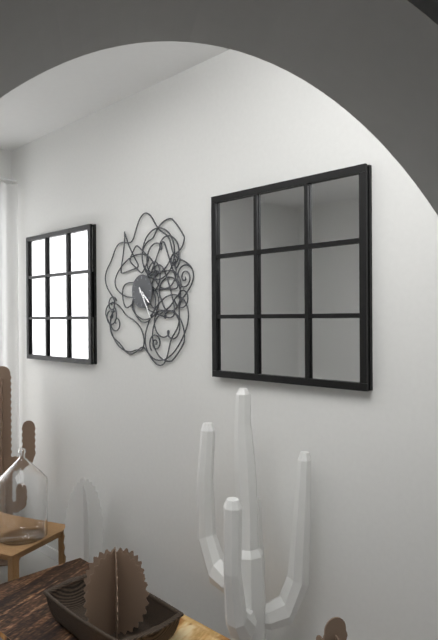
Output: 4h25
